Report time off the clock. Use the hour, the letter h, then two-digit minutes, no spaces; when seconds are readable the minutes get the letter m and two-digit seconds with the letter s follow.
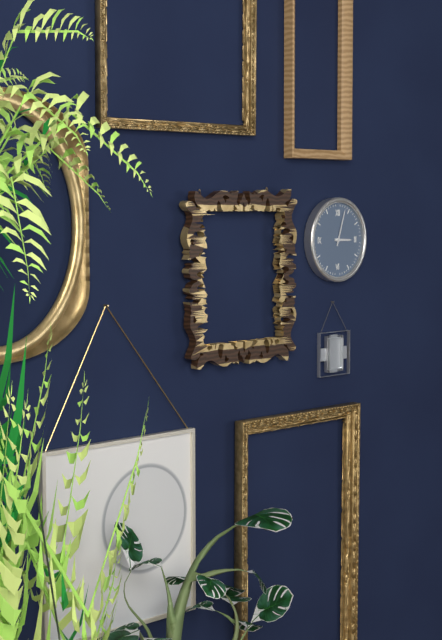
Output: 3h03
